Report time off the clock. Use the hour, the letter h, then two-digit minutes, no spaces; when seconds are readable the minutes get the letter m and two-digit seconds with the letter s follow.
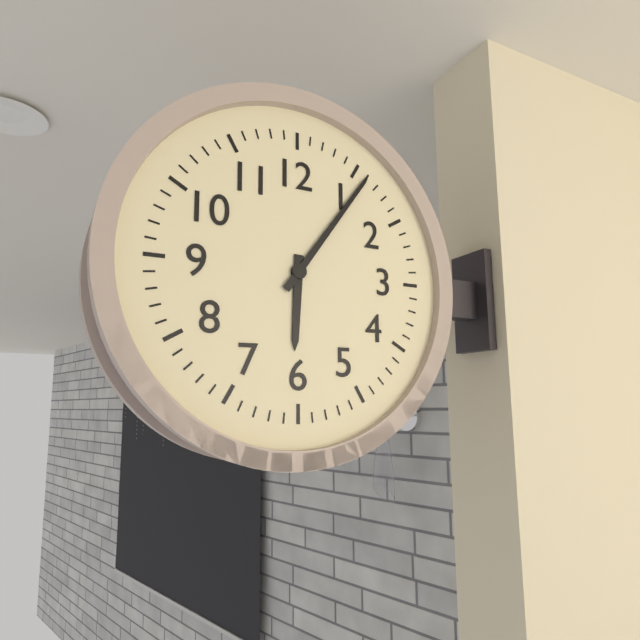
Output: 6h06
